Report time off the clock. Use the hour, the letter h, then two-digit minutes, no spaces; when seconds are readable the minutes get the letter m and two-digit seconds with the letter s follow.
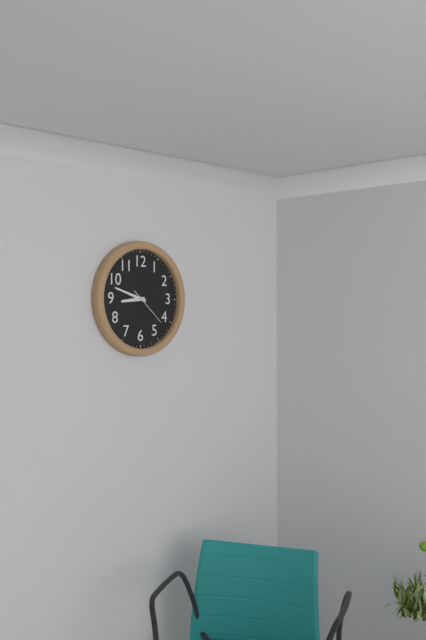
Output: 8h48
